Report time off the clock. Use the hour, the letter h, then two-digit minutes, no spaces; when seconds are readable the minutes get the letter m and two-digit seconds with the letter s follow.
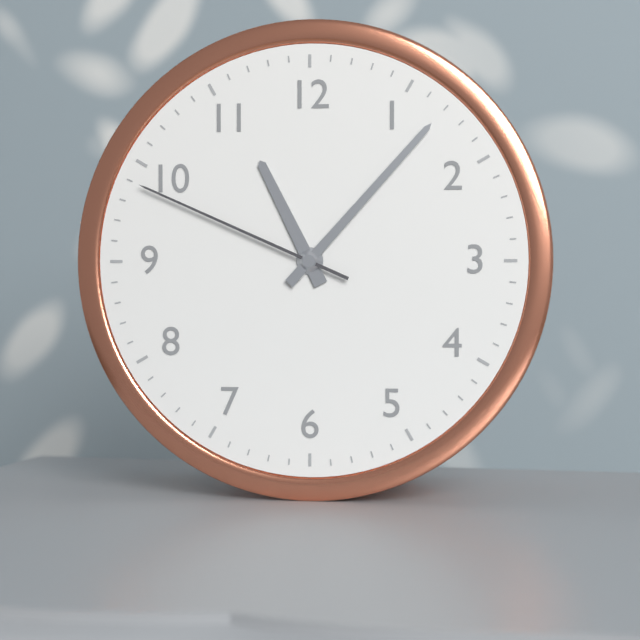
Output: 11h07m49s
